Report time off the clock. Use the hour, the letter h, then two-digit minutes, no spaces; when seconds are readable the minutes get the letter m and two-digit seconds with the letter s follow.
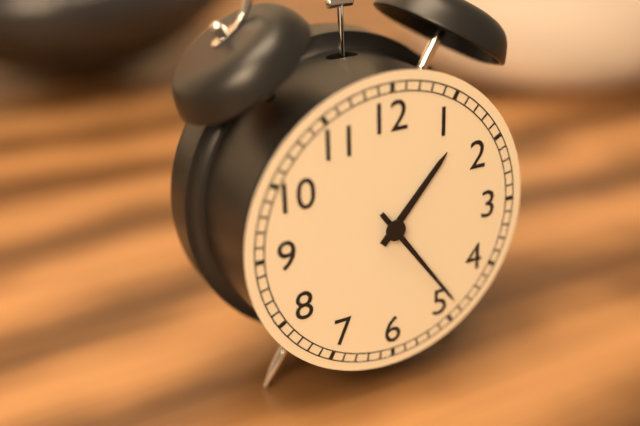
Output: 1h24
